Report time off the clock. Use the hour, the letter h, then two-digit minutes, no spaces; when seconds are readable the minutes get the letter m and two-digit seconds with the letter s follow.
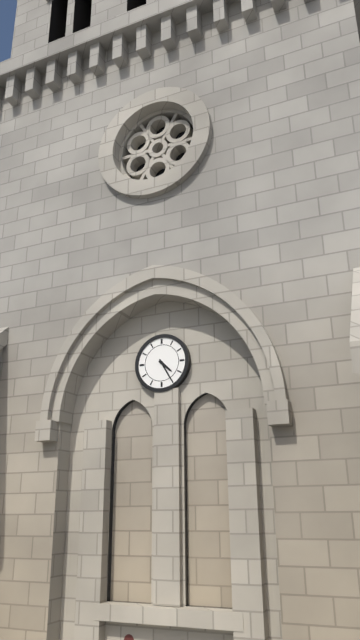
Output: 4h25
